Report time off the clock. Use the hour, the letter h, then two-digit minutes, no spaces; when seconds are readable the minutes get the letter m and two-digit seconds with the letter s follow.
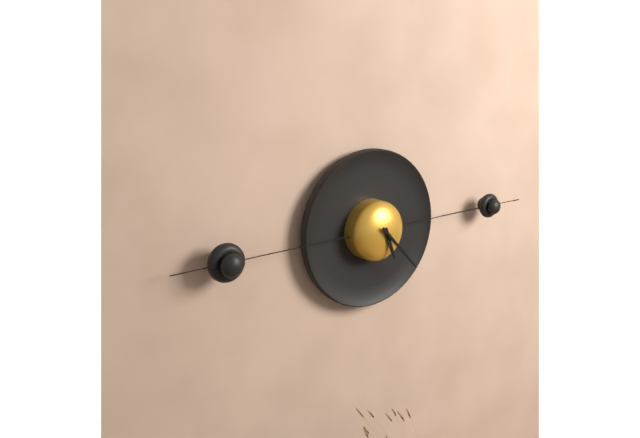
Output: 5h23
